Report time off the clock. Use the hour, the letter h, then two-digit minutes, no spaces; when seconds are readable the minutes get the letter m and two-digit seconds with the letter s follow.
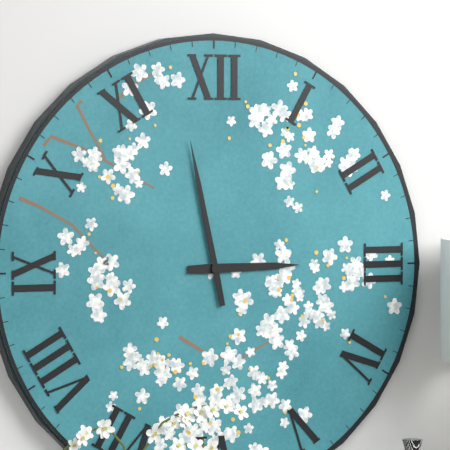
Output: 2h58
